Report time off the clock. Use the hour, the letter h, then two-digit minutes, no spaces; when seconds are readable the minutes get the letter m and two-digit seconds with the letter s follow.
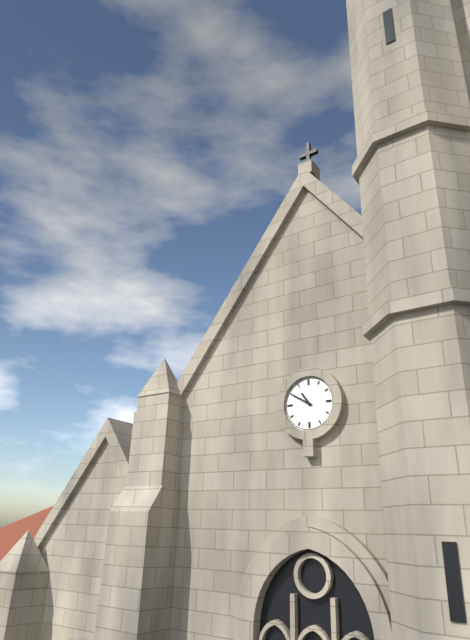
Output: 10h50
